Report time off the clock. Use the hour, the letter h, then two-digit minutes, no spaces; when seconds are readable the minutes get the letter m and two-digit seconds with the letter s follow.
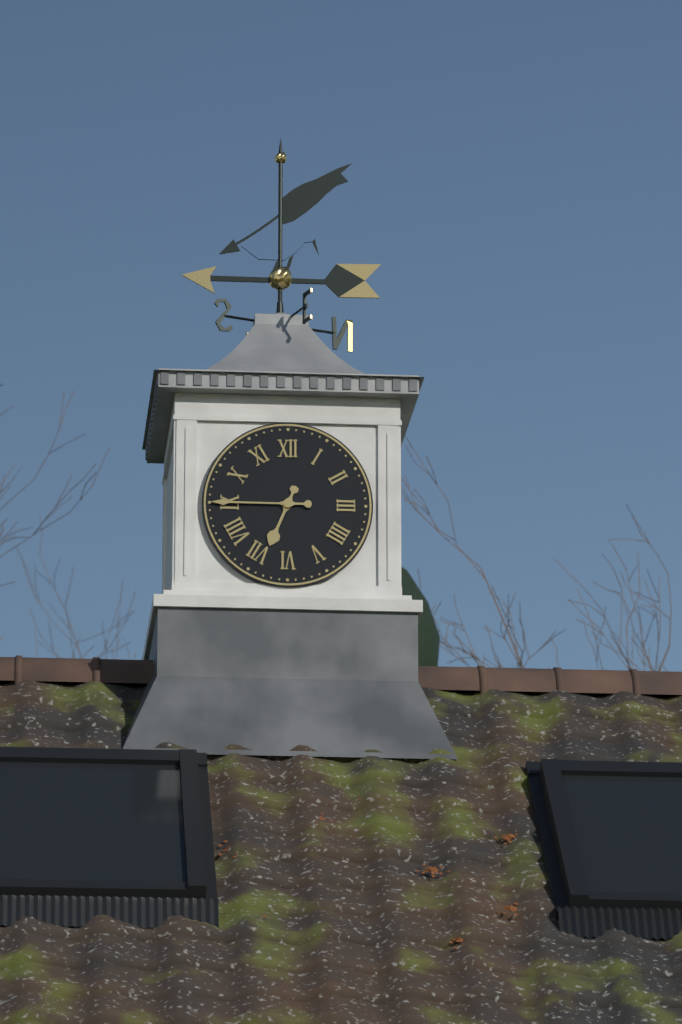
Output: 6h45
